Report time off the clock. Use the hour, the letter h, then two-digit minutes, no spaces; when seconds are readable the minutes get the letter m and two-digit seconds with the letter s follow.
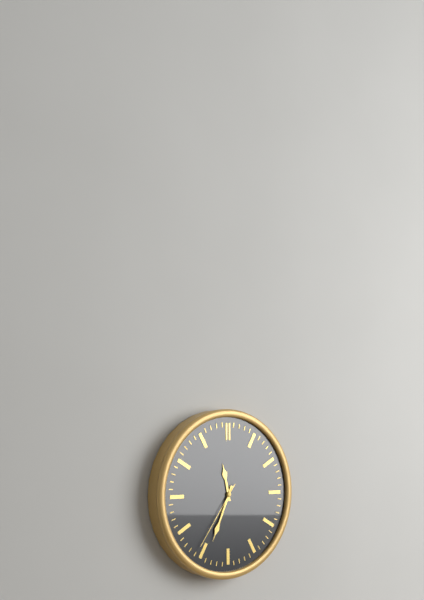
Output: 11h34m36s
